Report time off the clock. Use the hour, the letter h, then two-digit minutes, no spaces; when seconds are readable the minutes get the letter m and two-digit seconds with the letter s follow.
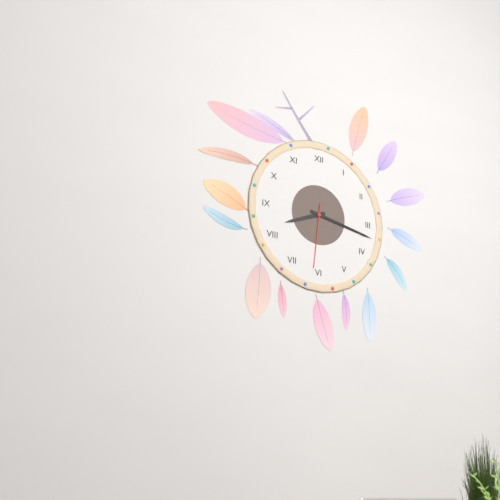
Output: 8h17m31s
